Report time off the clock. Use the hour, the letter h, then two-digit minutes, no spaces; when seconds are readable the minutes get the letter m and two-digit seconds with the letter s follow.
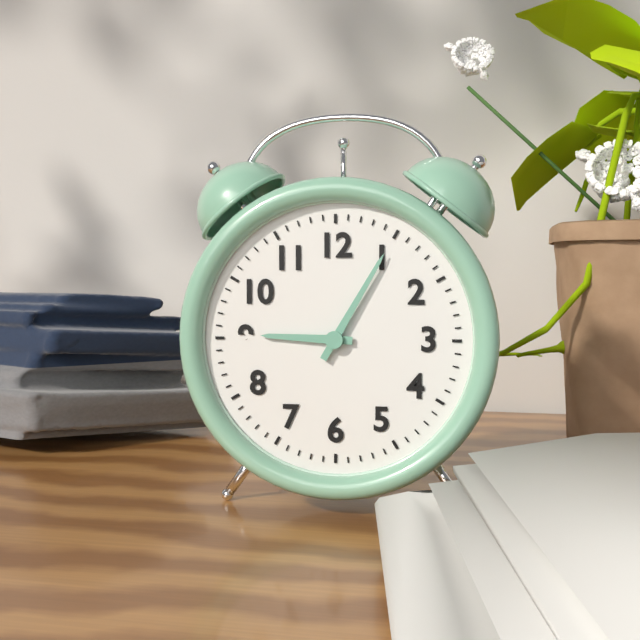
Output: 9h05
